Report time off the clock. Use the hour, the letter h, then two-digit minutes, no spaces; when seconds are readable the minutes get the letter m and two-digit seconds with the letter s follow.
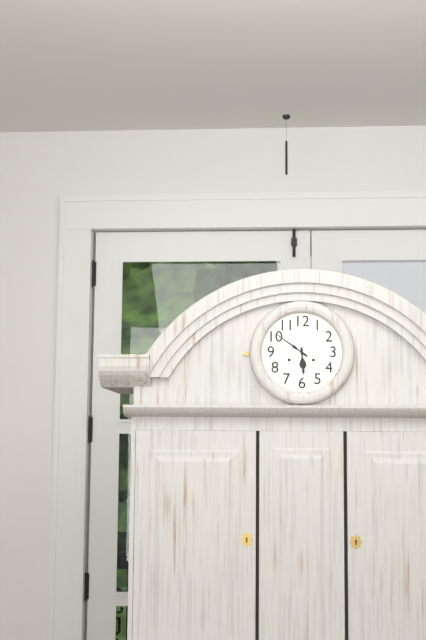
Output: 5h51
